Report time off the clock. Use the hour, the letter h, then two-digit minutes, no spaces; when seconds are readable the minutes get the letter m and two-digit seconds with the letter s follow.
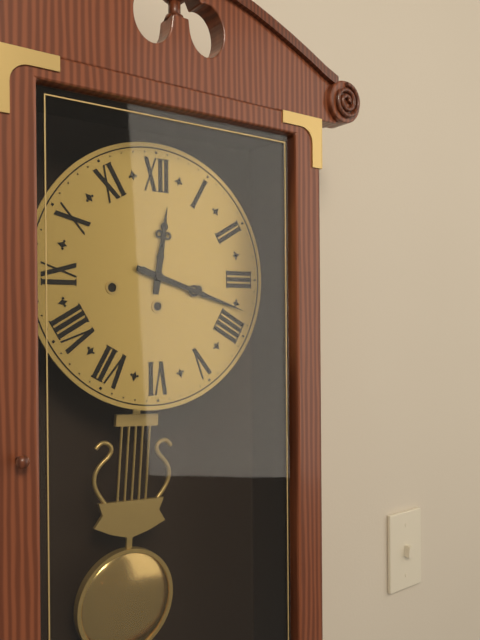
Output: 12h18
